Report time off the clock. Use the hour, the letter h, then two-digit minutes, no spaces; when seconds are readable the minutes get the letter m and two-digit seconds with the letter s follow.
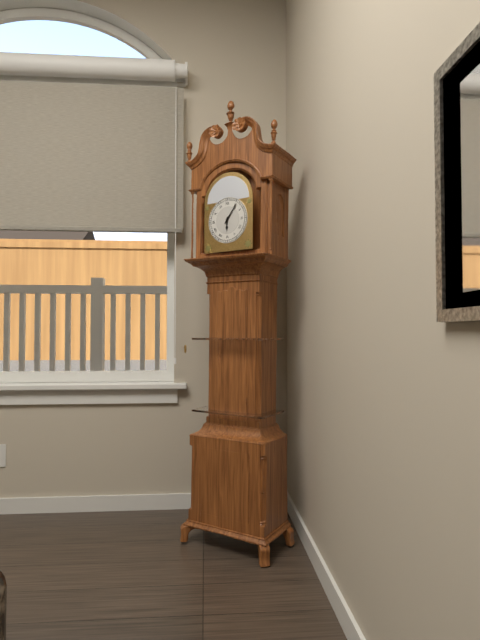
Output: 6h06
